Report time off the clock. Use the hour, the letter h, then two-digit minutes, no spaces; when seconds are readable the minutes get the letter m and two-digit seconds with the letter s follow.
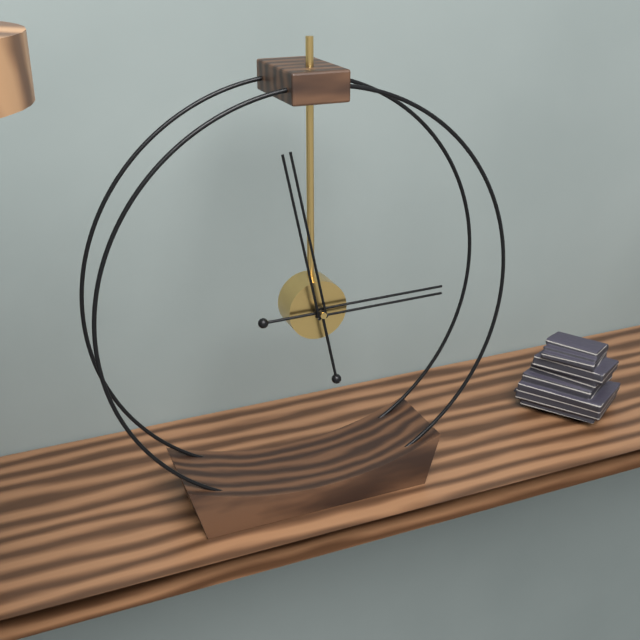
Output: 2h58
